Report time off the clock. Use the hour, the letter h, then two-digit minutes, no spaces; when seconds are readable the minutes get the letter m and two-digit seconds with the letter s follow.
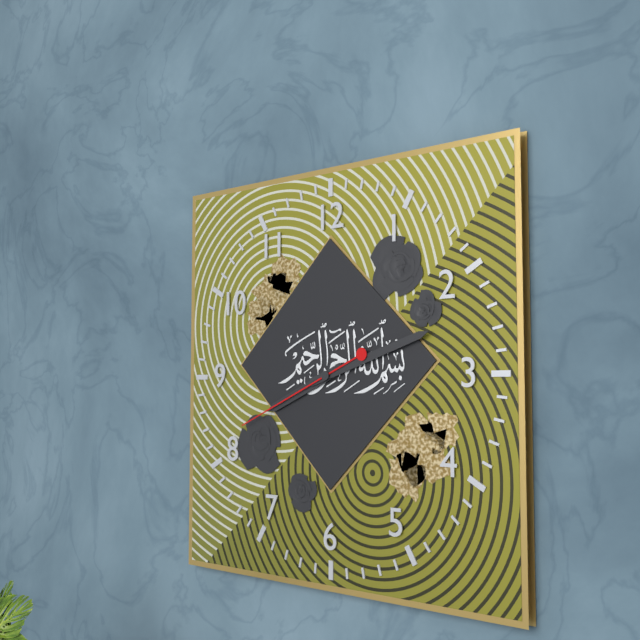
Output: 8h12m41s
